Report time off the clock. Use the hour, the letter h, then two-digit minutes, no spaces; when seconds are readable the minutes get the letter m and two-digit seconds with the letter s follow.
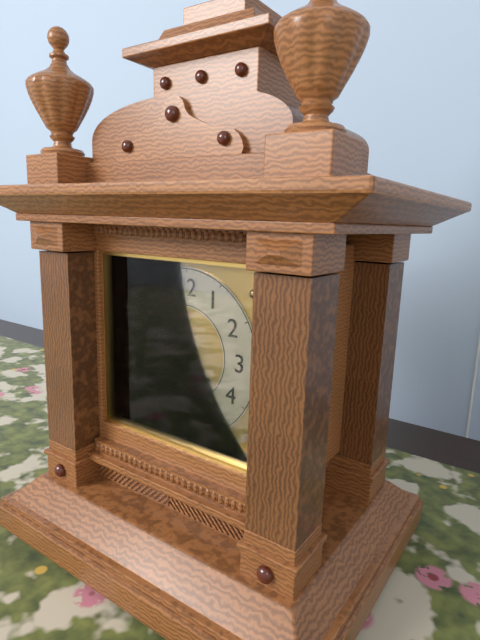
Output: 4h30
